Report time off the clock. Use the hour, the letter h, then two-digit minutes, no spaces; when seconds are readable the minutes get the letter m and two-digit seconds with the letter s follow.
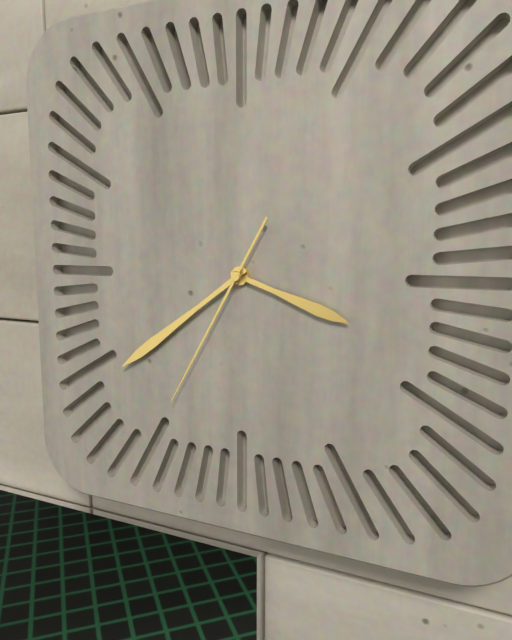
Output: 3h39m35s
